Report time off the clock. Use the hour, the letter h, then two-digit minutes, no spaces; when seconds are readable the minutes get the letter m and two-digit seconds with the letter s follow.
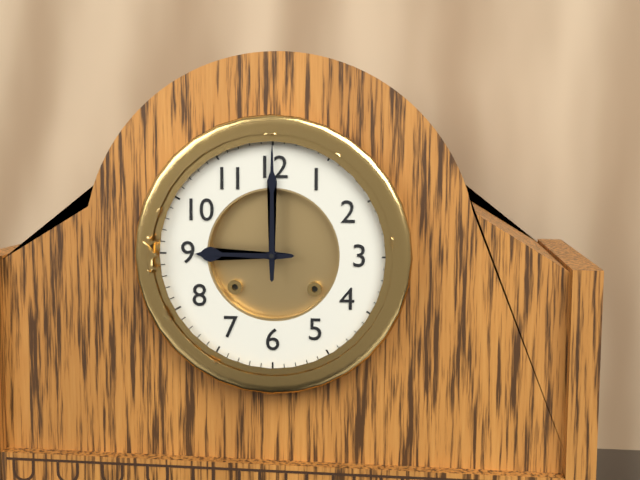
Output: 9h00
